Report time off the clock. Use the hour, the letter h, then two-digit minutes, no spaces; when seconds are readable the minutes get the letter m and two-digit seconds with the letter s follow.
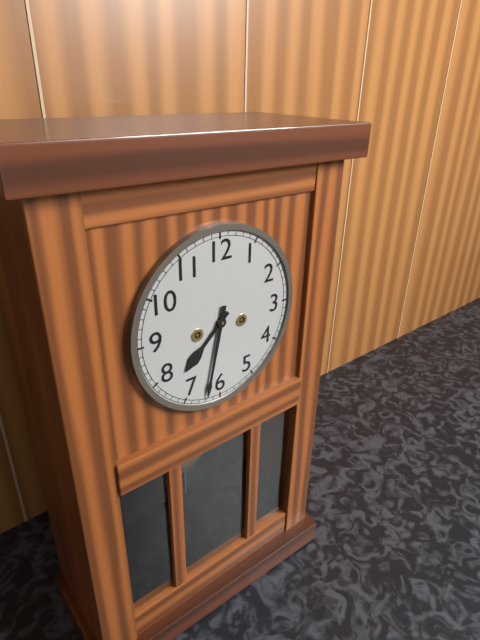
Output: 7h32
